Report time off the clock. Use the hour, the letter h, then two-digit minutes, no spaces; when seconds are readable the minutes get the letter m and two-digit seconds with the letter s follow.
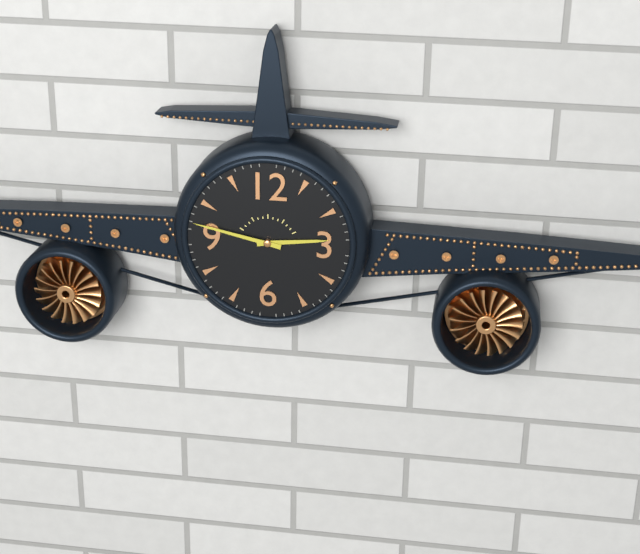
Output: 2h47
